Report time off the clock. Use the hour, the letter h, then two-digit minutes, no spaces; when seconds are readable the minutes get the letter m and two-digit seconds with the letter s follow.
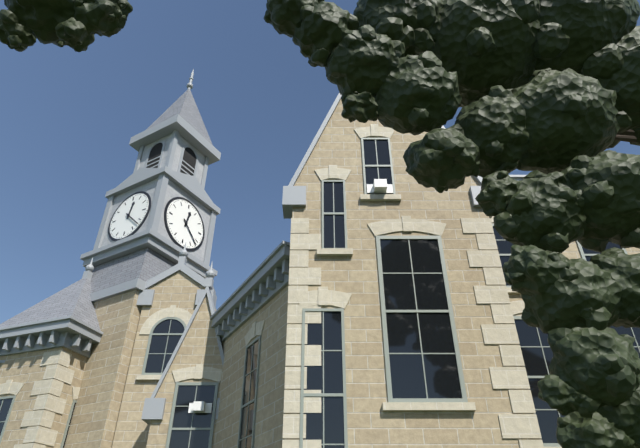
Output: 12h22
